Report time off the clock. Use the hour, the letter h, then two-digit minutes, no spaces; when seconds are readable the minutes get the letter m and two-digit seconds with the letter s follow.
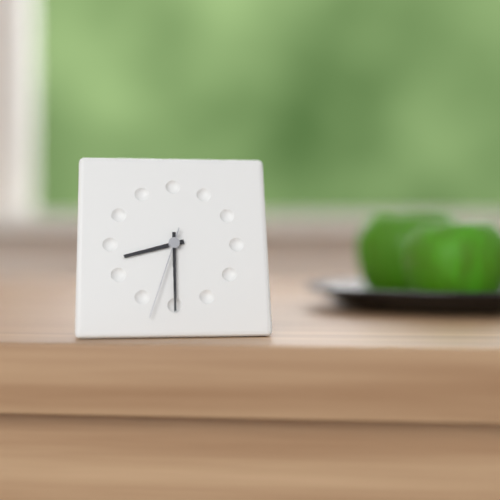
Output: 8h30m33s
